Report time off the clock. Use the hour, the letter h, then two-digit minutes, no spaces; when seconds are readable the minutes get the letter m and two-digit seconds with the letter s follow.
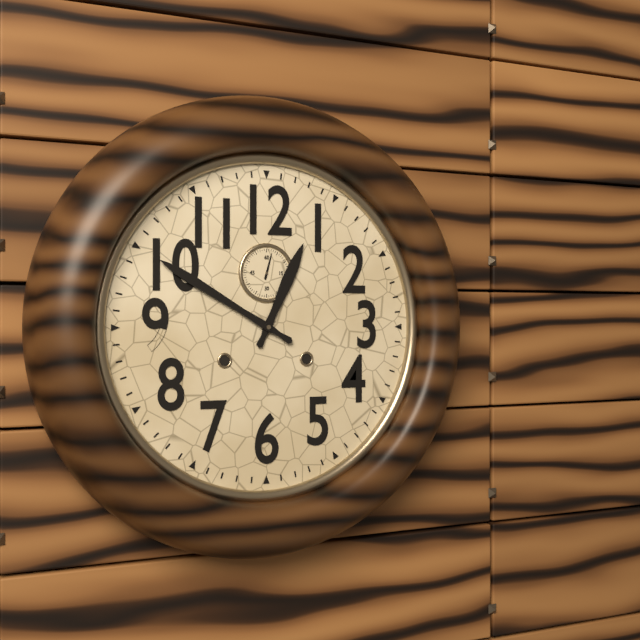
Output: 12h50
